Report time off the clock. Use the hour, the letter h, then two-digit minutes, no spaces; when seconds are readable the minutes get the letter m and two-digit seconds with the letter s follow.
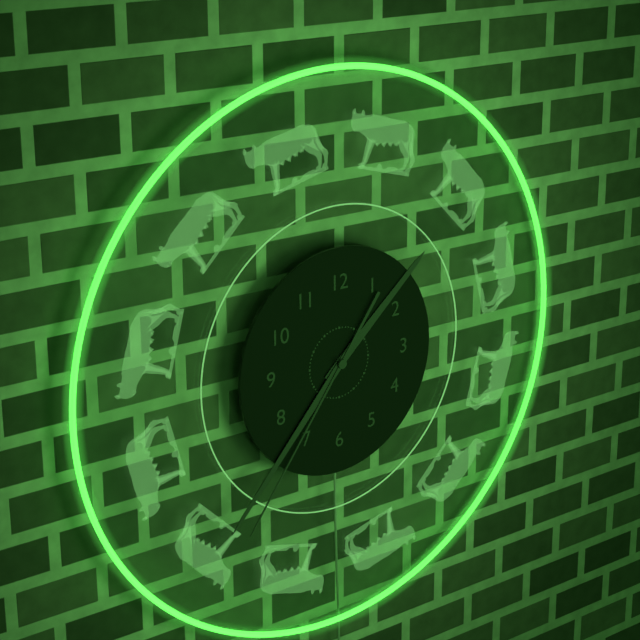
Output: 1h37m36s
